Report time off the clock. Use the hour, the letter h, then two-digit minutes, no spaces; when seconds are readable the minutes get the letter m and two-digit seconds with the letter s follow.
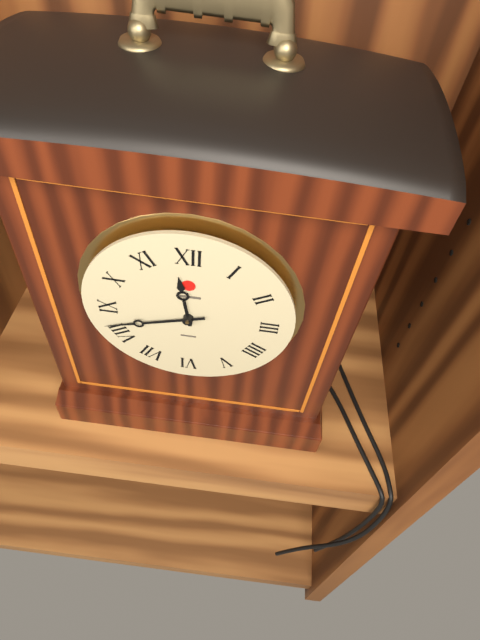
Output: 11h42
